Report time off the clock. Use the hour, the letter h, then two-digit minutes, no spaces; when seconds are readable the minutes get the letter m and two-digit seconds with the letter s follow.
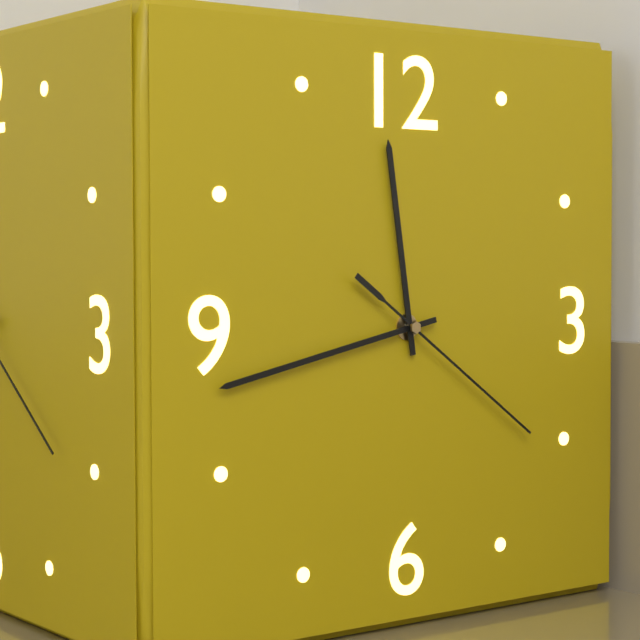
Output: 11h43m21s
